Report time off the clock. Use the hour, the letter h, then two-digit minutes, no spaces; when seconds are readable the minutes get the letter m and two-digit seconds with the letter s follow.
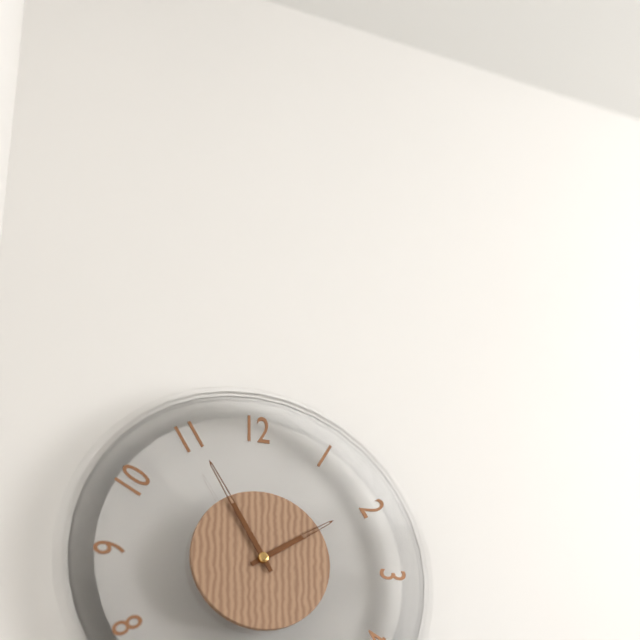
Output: 1h55
